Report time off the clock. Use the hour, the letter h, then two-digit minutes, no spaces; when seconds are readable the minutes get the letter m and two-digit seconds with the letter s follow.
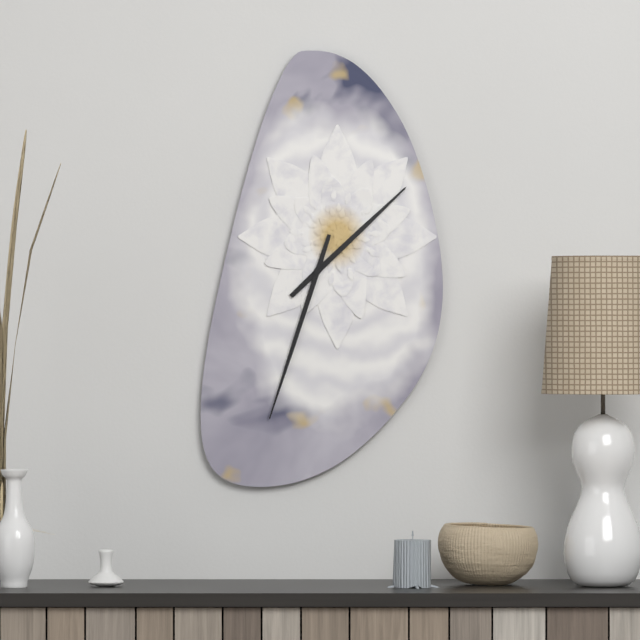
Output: 1h33
